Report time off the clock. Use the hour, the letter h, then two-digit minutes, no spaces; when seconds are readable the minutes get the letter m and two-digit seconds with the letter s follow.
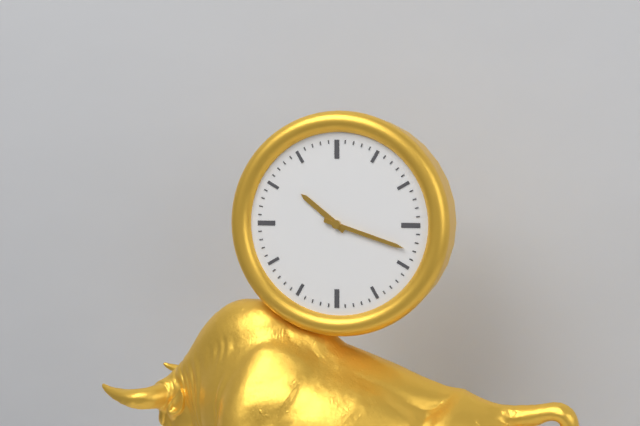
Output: 10h18
